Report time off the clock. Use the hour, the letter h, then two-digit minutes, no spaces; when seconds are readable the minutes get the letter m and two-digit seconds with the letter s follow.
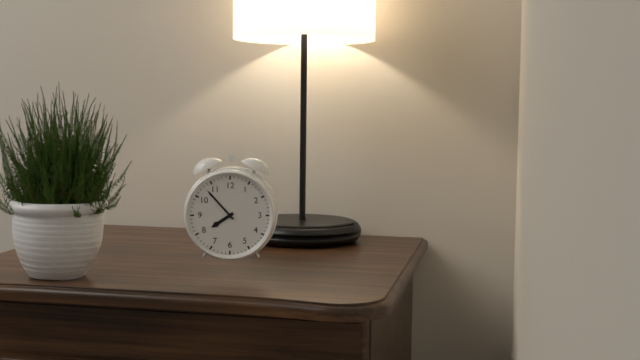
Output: 7h53
